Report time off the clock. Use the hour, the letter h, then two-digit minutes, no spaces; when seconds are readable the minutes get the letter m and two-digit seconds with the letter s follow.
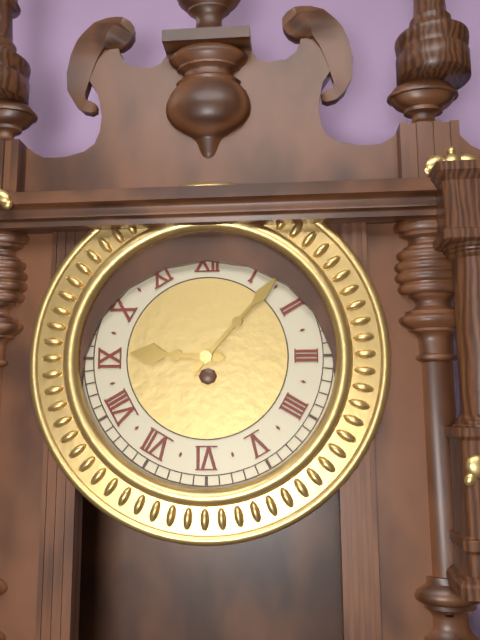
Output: 9h07
